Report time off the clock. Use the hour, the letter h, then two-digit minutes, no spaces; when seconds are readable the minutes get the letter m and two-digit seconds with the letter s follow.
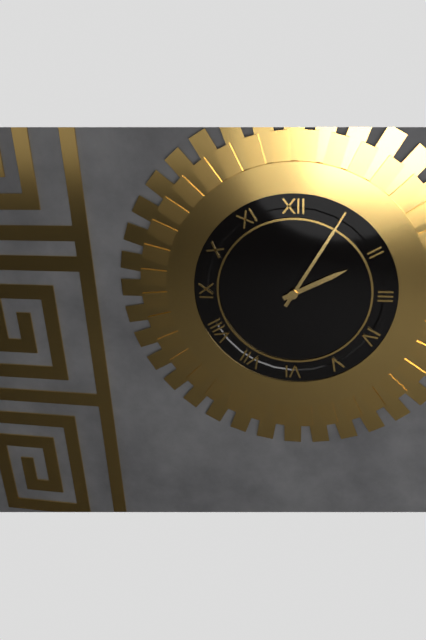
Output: 2h05
